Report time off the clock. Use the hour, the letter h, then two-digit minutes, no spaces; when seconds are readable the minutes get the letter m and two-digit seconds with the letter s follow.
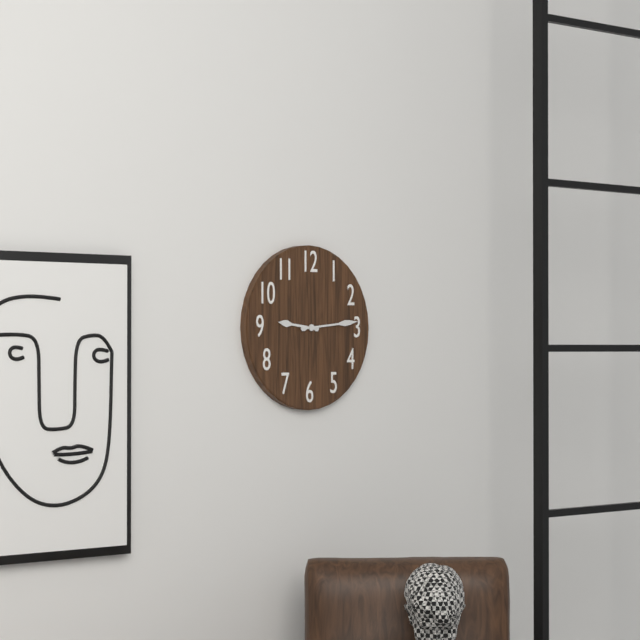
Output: 9h14
